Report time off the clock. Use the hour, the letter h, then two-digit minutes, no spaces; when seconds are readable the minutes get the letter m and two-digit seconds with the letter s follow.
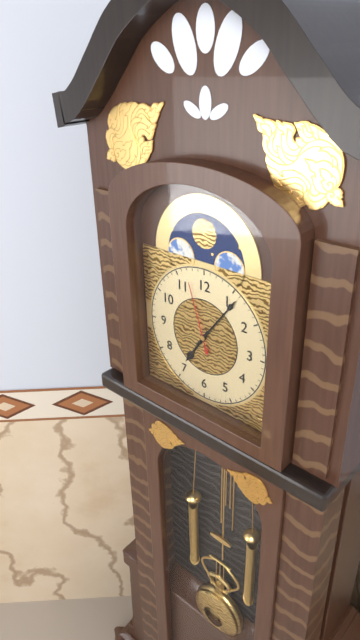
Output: 7h06m57s
